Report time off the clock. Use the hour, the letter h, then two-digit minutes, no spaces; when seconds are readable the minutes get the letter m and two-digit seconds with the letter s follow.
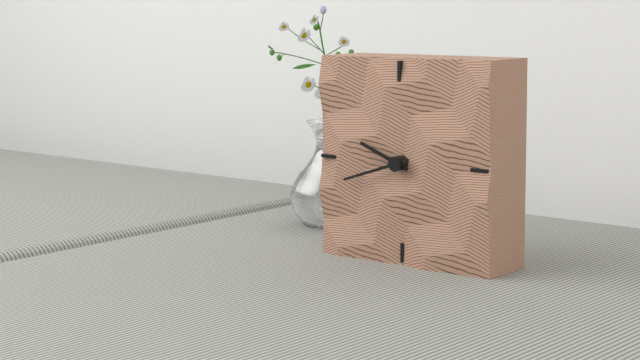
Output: 9h42
